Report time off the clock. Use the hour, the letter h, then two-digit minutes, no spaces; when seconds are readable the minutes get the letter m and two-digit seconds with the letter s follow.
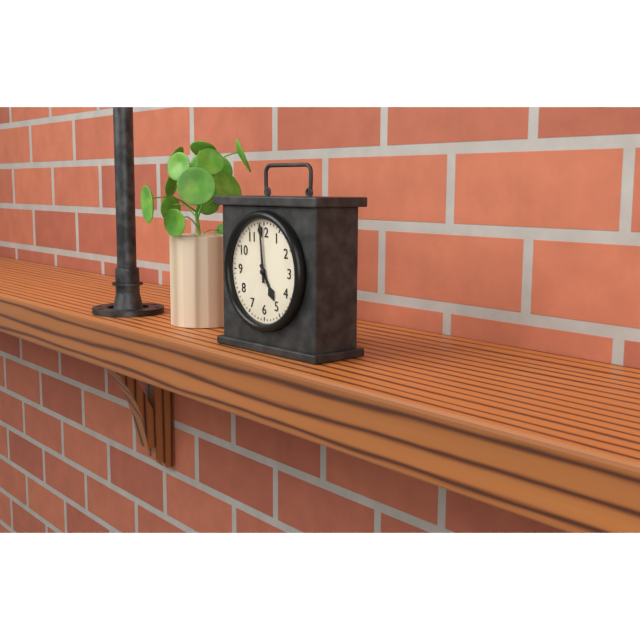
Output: 4h59
